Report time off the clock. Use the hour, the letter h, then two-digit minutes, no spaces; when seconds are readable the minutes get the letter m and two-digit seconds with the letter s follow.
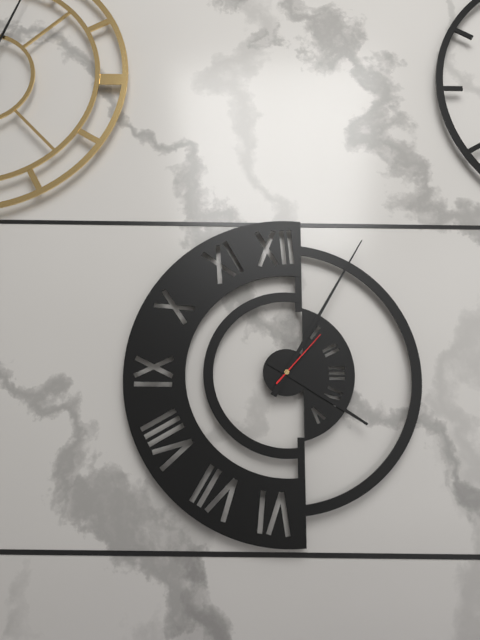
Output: 4h05m07s
